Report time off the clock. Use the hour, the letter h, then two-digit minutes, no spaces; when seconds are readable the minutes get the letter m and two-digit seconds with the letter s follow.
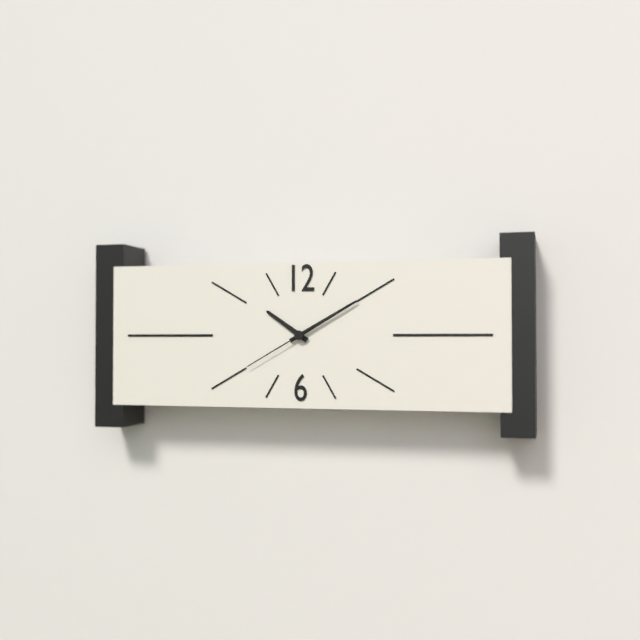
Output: 10h10m40s
